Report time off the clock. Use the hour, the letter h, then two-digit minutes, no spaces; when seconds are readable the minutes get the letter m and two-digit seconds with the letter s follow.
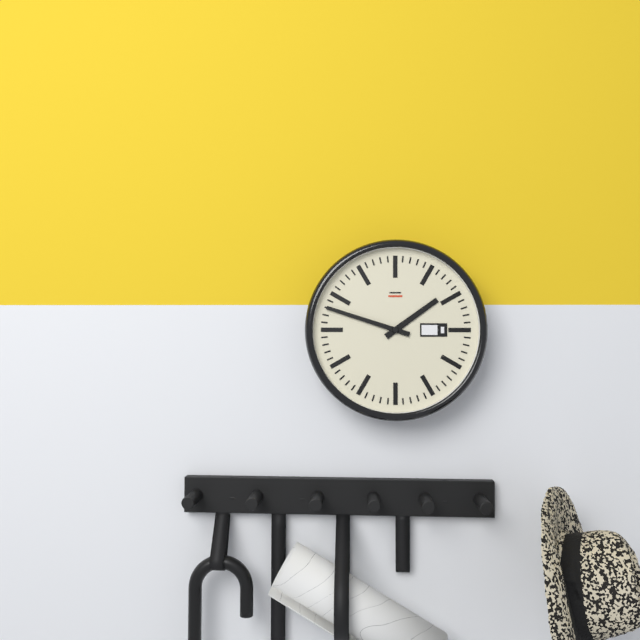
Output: 1h48
